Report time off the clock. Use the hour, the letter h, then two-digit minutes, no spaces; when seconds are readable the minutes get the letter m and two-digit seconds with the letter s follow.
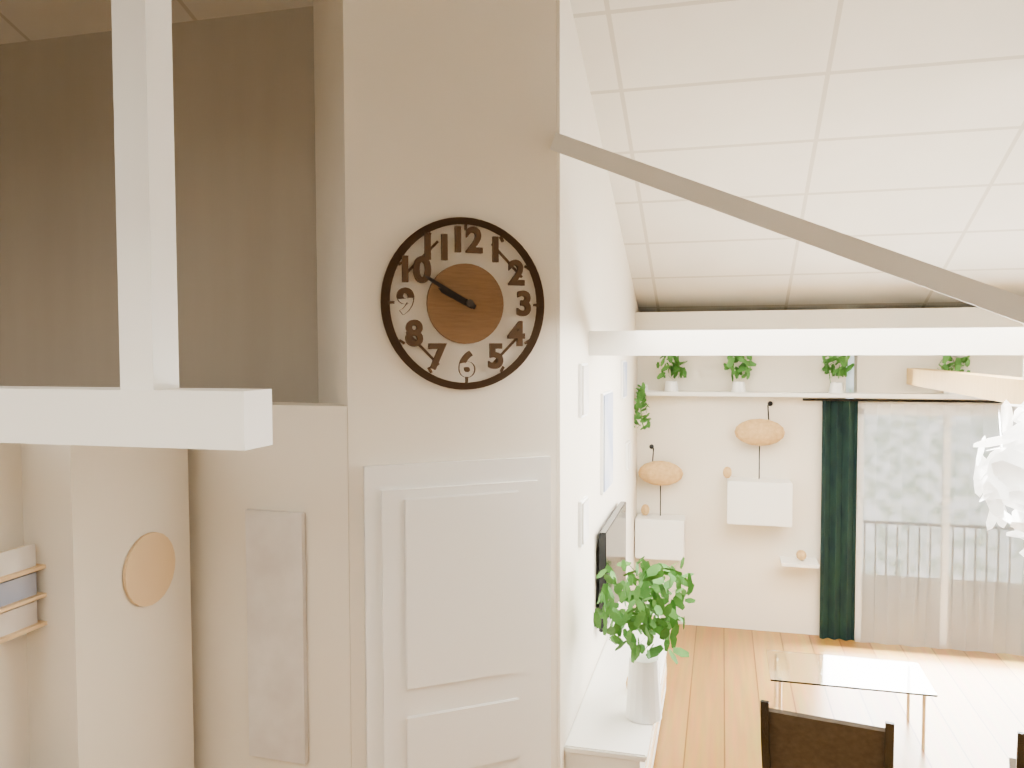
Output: 9h50
